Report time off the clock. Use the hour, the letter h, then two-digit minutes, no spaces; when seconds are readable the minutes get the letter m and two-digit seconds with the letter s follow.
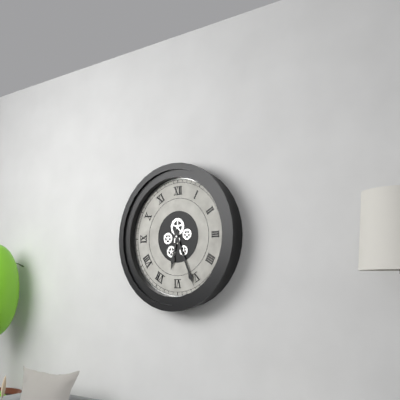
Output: 6h26
